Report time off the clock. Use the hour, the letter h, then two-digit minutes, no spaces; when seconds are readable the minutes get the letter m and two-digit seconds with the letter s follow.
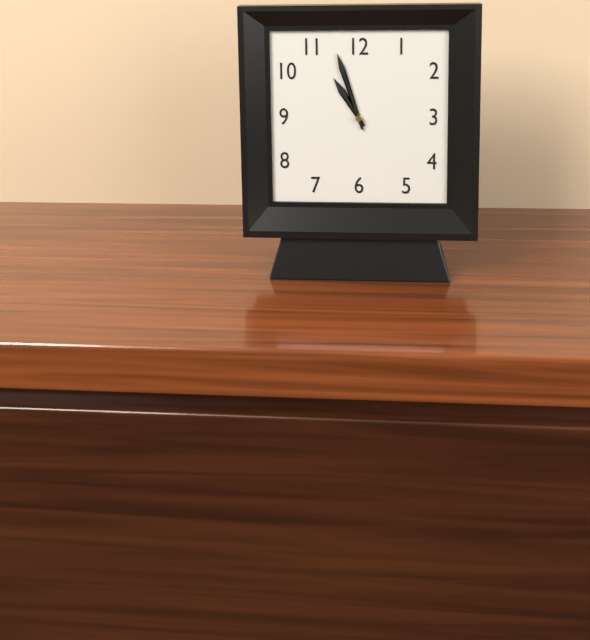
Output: 10h57
